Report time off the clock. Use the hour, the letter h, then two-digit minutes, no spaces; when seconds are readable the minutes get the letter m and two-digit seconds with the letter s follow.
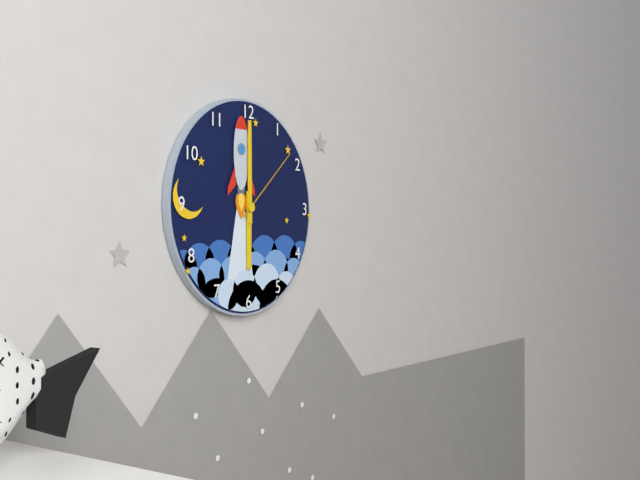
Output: 6h00m08s
